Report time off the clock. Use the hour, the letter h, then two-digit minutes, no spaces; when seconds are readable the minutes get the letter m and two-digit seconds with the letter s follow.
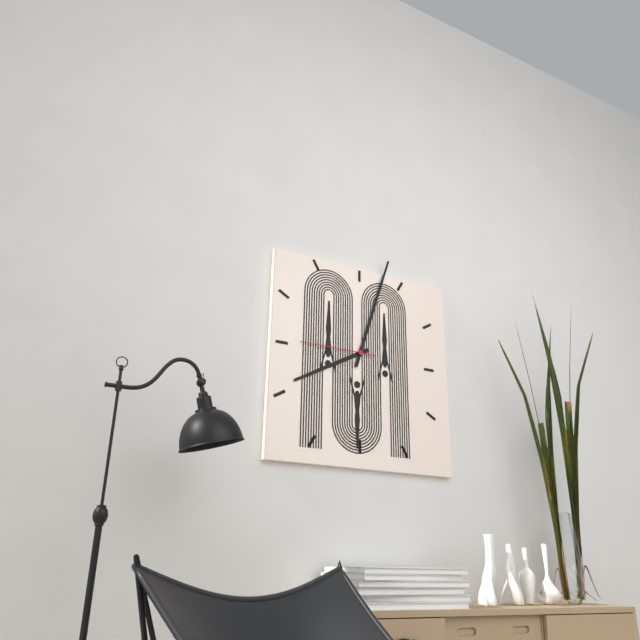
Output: 8h03m45s
